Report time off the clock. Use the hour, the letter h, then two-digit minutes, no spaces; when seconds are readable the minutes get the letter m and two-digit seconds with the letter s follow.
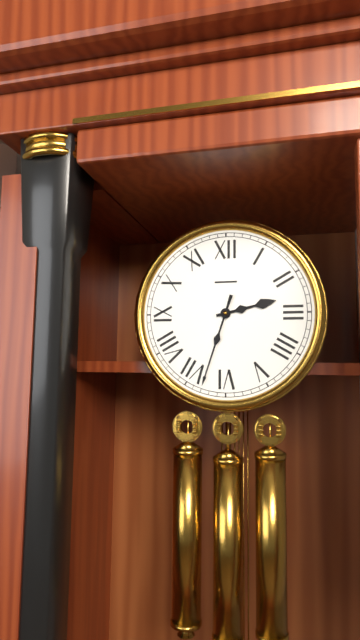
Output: 2h33
